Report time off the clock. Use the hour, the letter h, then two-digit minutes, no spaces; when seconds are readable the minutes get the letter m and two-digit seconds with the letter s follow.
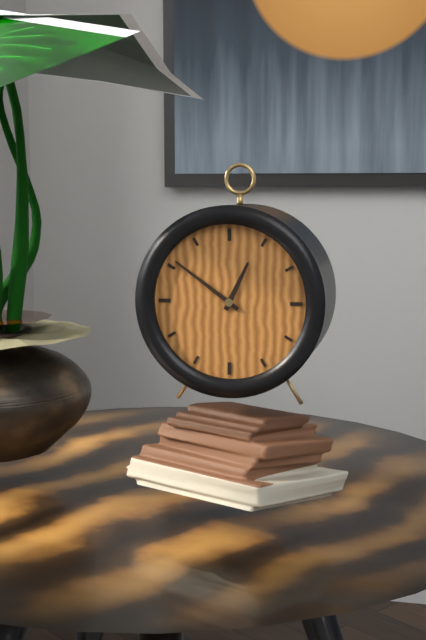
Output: 12h51
